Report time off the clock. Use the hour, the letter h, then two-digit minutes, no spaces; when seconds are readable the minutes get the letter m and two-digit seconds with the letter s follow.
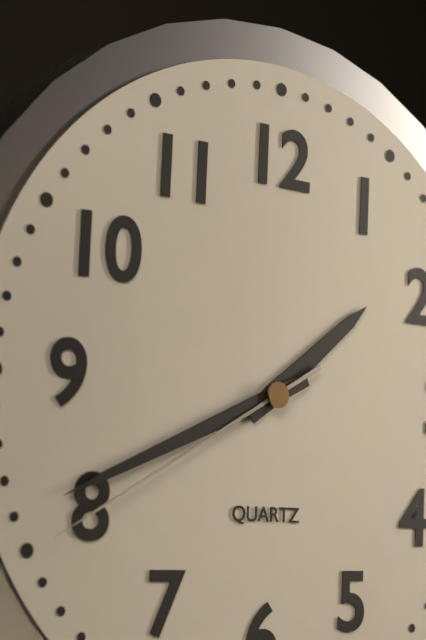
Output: 1h41m40s
